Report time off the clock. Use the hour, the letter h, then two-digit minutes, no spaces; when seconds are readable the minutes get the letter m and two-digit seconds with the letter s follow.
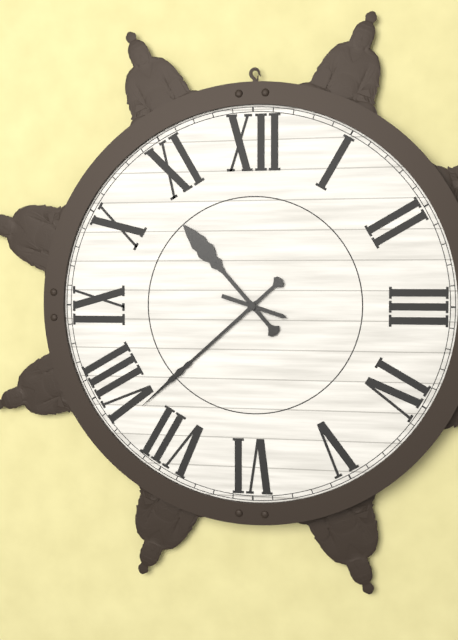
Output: 10h38
